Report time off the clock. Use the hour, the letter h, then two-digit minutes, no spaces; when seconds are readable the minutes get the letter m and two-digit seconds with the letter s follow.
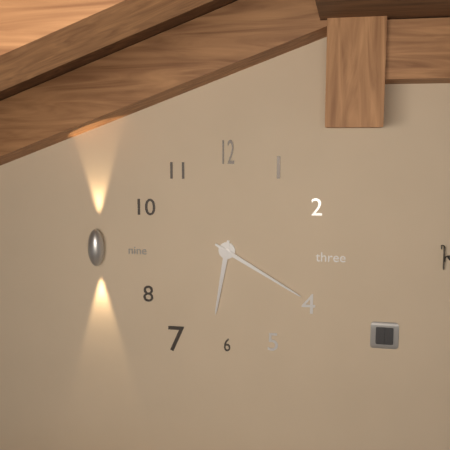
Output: 6h20
